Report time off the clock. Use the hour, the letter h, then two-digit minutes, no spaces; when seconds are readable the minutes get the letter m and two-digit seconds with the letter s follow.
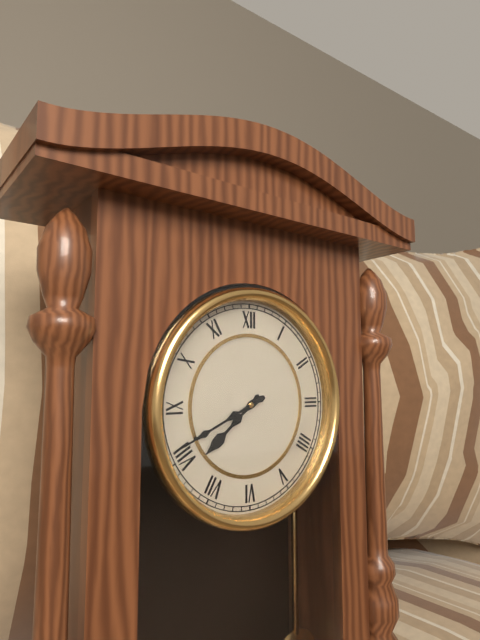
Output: 7h41
